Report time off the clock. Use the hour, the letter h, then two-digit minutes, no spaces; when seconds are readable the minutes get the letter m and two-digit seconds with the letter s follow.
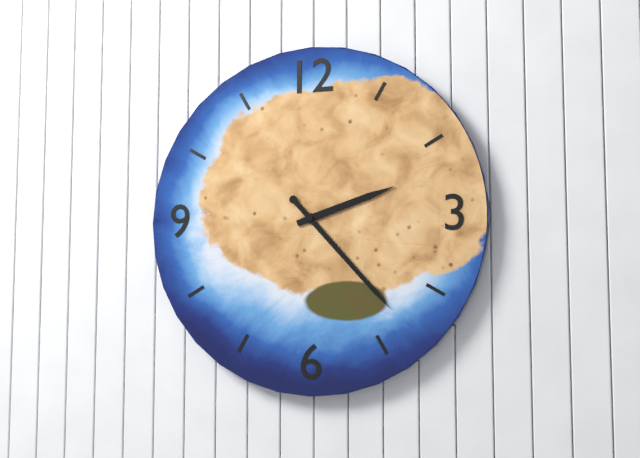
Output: 2h23
